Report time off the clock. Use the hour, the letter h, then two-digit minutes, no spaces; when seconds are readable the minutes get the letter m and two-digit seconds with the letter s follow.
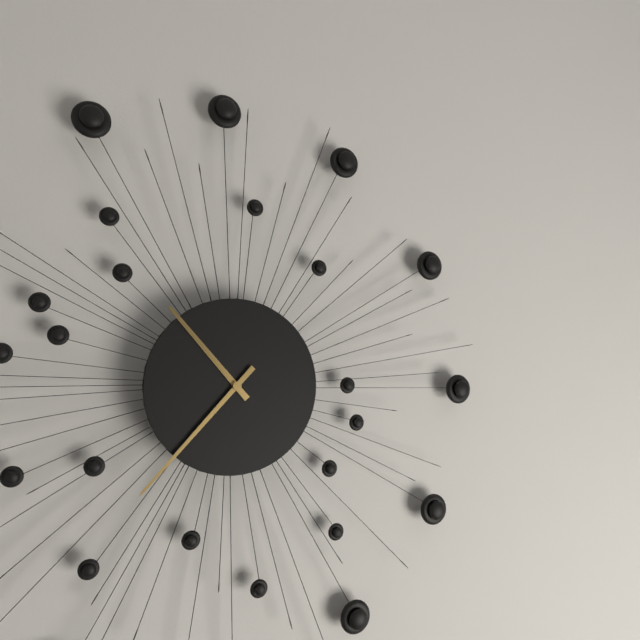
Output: 10h37
